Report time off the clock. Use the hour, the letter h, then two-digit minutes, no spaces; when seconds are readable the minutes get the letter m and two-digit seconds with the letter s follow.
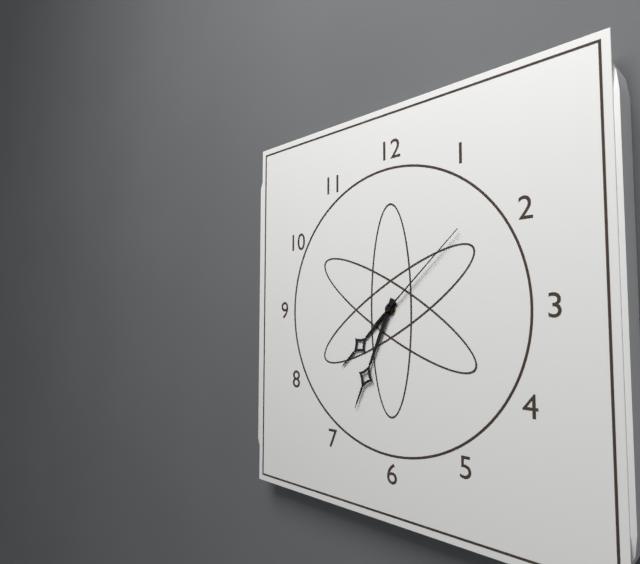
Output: 7h34m08s
